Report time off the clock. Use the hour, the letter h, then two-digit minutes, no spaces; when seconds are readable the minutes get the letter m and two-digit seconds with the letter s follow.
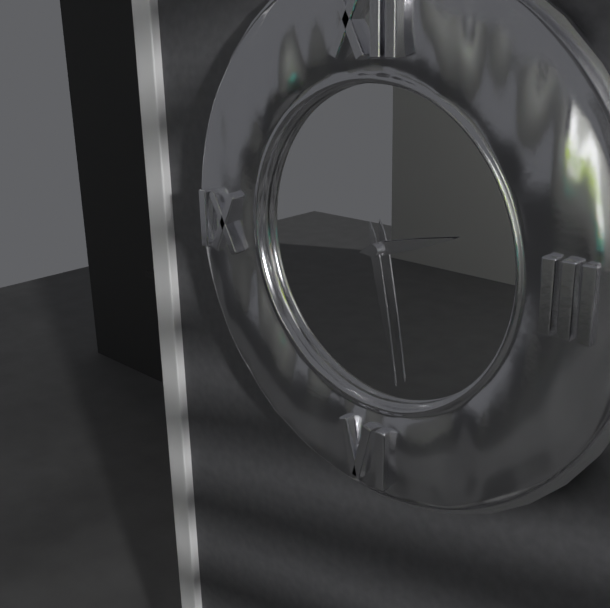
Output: 2h28
